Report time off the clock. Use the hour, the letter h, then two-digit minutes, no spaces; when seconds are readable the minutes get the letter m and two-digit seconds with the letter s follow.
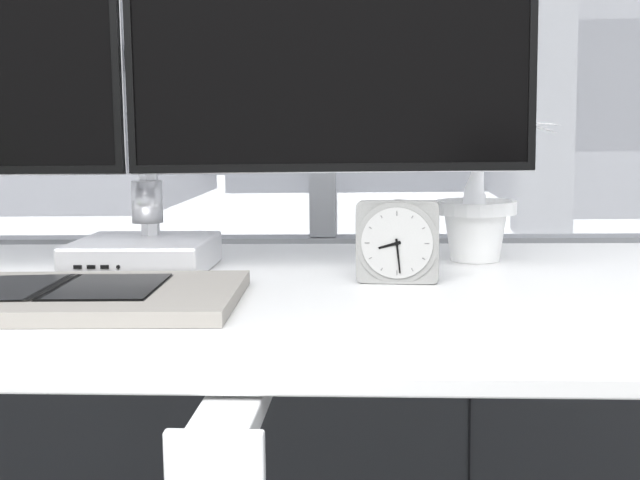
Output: 8h29
